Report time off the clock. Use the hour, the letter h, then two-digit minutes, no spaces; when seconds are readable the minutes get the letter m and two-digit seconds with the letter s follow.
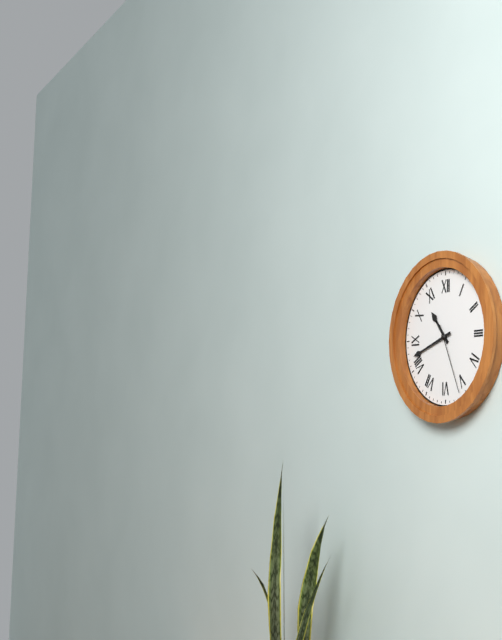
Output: 10h42m26s
